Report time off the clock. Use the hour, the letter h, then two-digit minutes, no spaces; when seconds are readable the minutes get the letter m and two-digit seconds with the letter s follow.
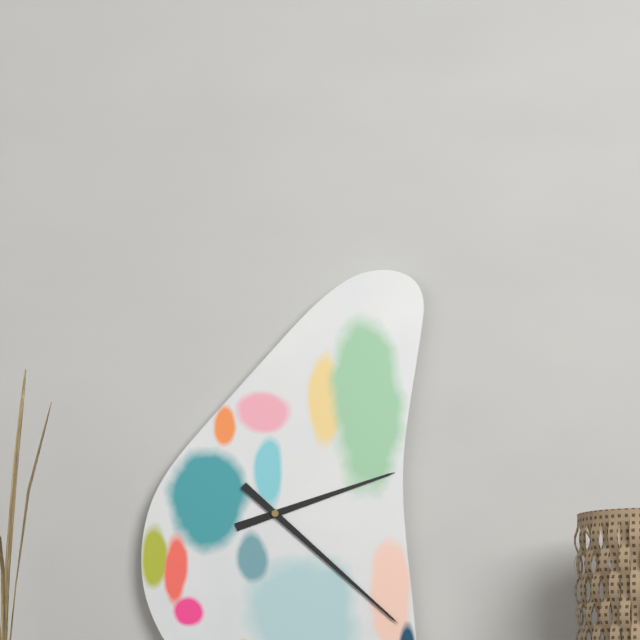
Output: 2h22
